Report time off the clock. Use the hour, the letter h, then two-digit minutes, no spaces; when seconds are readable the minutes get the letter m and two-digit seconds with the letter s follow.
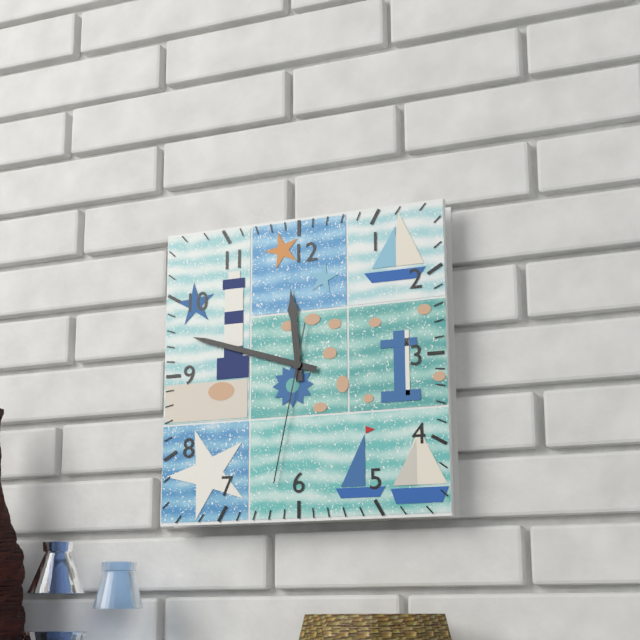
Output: 11h48m32s
